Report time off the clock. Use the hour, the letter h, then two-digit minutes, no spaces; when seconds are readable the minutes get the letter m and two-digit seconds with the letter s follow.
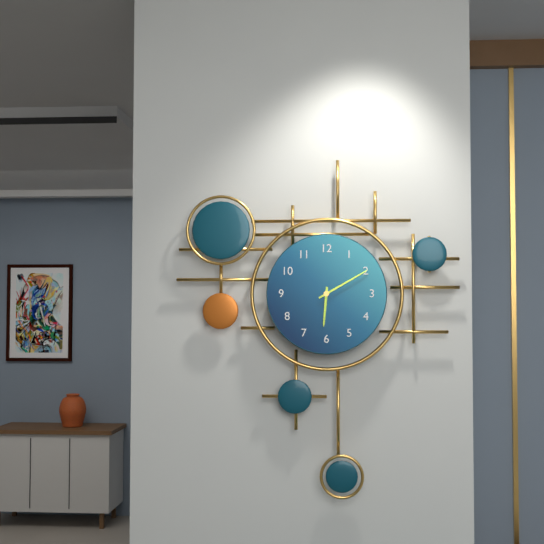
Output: 6h10
